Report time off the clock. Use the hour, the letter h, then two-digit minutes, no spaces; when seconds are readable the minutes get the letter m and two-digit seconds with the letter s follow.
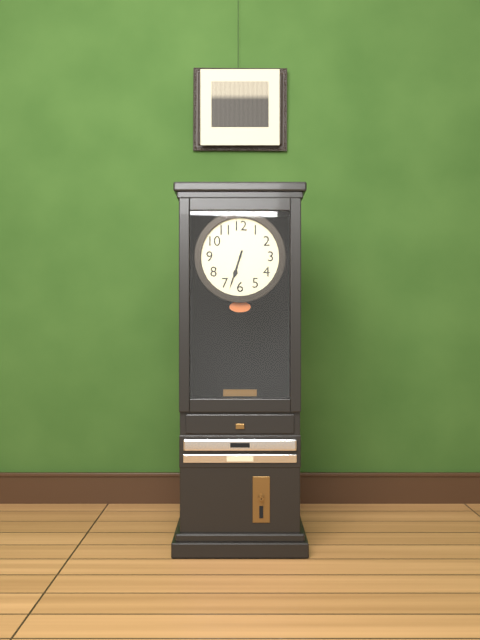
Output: 6h33
